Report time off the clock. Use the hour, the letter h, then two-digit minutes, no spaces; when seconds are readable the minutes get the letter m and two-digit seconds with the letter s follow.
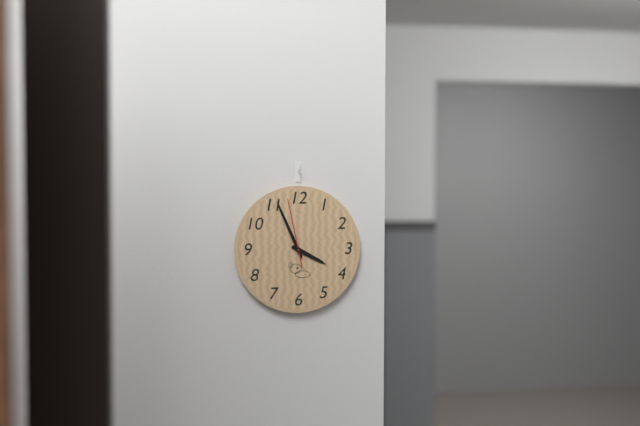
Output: 3h56m58s
